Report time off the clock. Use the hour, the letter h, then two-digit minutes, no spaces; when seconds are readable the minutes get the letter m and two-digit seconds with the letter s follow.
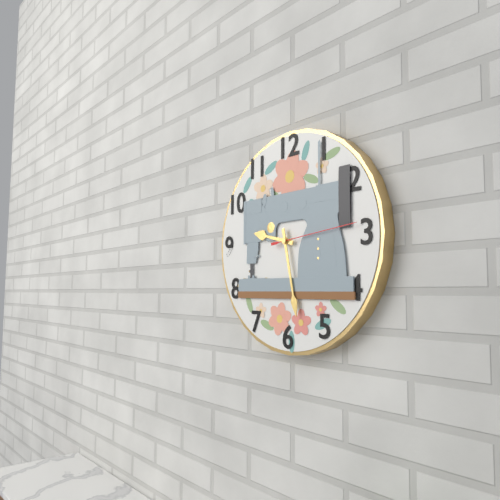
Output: 9h28m14s
